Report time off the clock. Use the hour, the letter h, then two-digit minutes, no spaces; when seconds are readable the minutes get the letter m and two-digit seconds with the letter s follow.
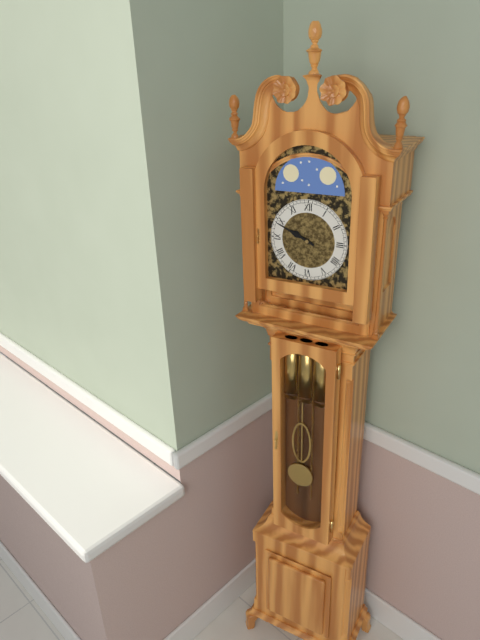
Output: 9h49
